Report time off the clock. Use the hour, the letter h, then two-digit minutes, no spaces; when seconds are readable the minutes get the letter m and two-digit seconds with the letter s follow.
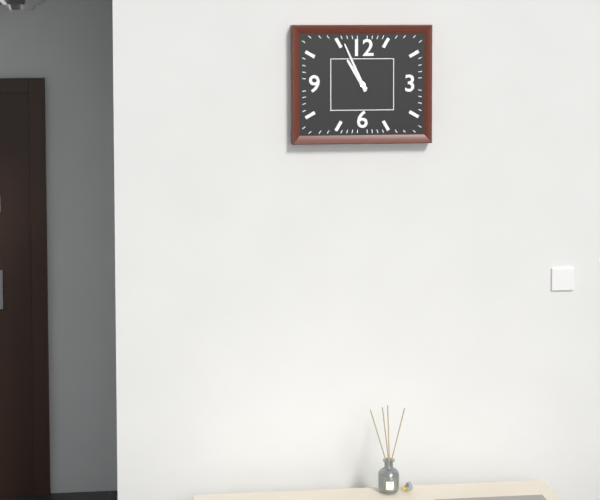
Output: 10h56
